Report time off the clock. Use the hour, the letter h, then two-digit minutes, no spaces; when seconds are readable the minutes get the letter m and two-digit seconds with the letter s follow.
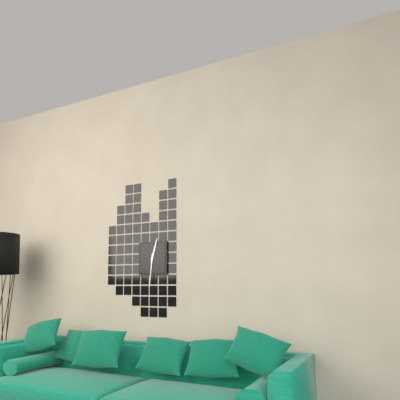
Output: 12h31
